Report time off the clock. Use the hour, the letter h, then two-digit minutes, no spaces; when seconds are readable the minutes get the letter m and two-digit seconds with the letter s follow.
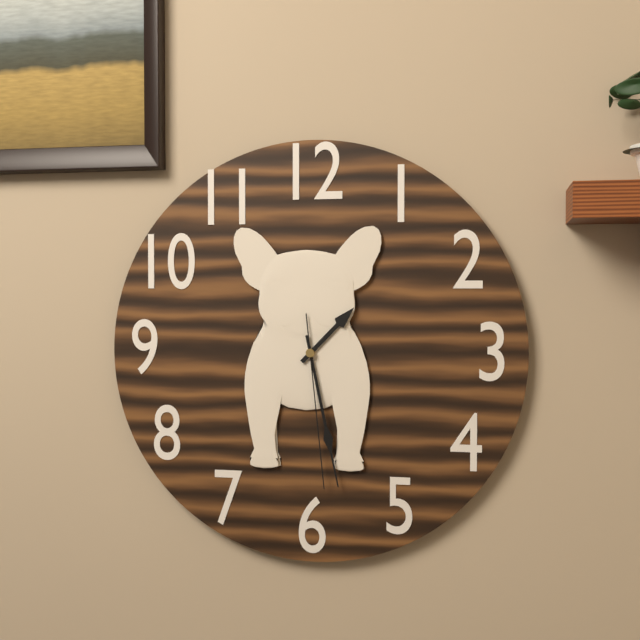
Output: 1h28m29s
